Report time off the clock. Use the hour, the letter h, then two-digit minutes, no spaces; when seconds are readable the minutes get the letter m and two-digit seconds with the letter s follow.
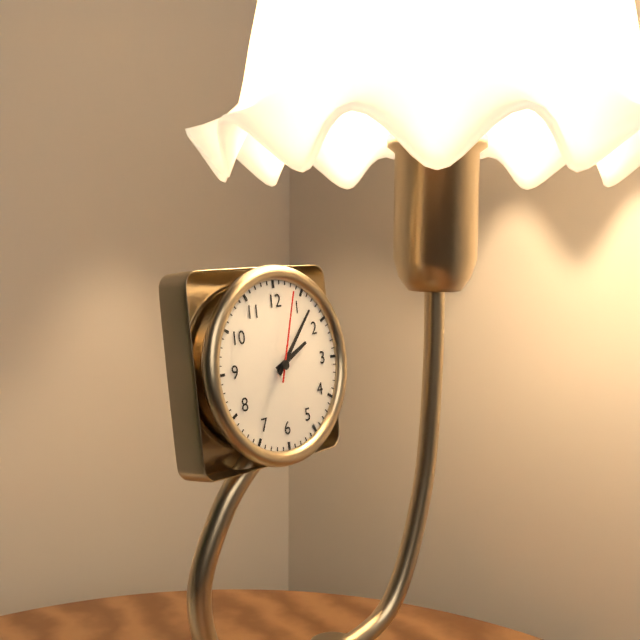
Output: 2h07m03s
